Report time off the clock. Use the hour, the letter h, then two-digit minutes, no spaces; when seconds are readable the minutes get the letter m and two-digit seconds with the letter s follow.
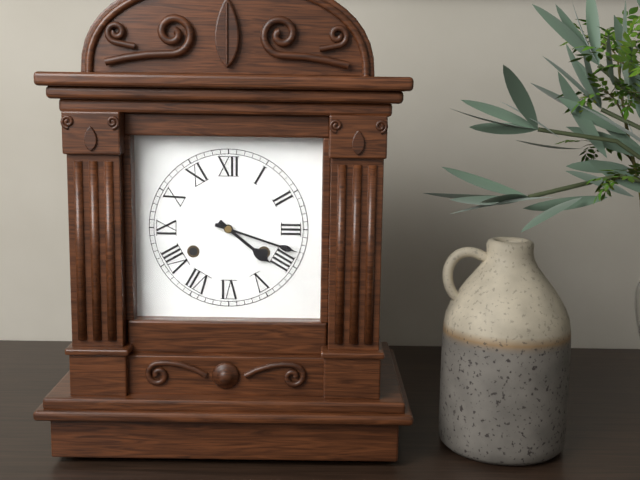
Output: 4h18
